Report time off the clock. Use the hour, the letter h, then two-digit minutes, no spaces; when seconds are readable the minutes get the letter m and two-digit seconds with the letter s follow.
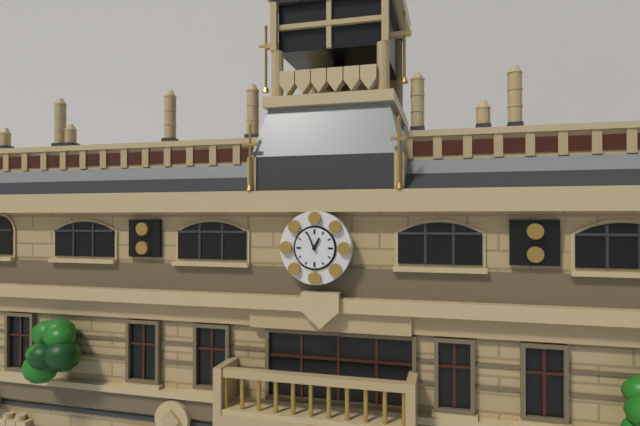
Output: 12h56
